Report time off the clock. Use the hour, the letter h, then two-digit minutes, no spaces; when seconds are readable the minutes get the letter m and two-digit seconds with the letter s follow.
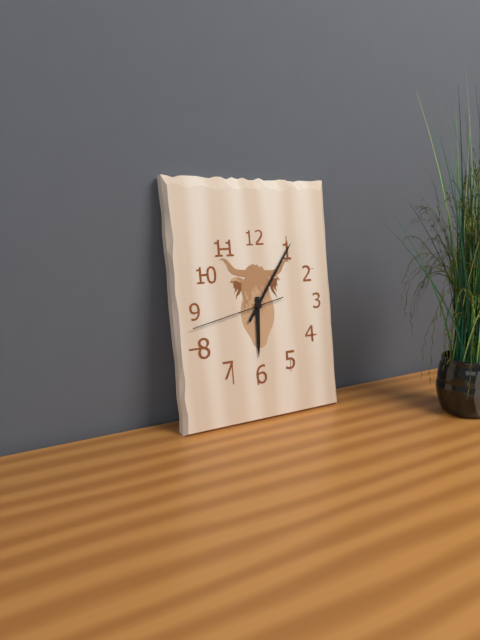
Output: 6h06m43s
